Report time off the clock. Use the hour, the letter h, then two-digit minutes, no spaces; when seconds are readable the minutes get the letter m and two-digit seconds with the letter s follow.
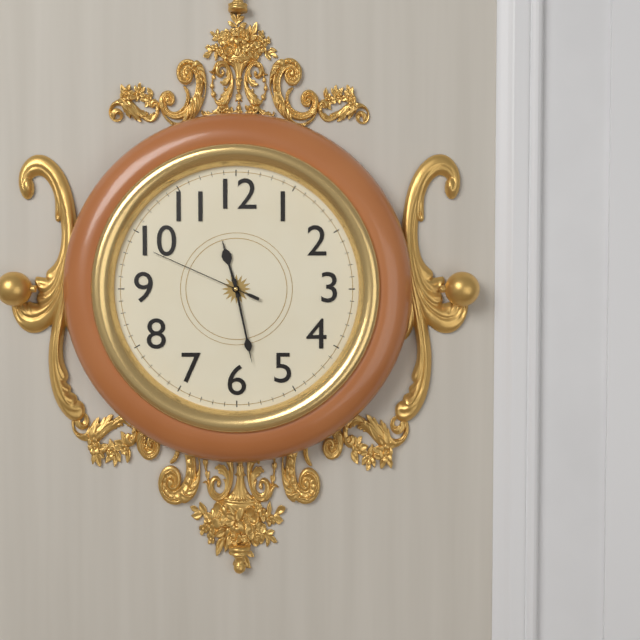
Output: 11h28m49s
